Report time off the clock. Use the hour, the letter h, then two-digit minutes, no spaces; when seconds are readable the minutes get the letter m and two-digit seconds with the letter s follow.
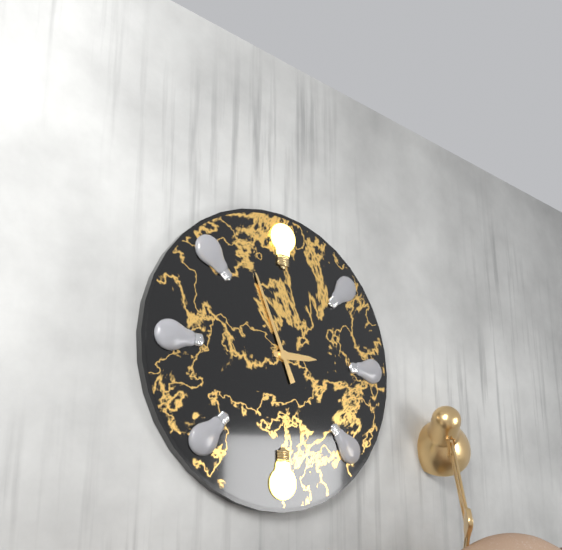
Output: 2h56
